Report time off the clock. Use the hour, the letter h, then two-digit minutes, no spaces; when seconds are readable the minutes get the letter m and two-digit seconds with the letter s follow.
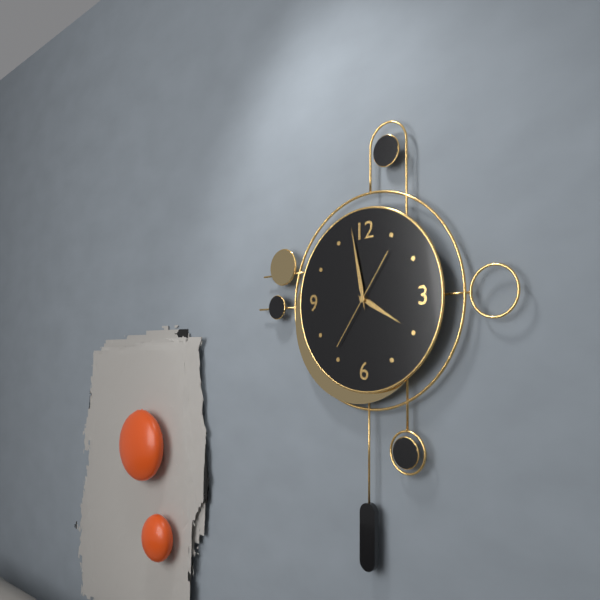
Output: 3h58m36s
